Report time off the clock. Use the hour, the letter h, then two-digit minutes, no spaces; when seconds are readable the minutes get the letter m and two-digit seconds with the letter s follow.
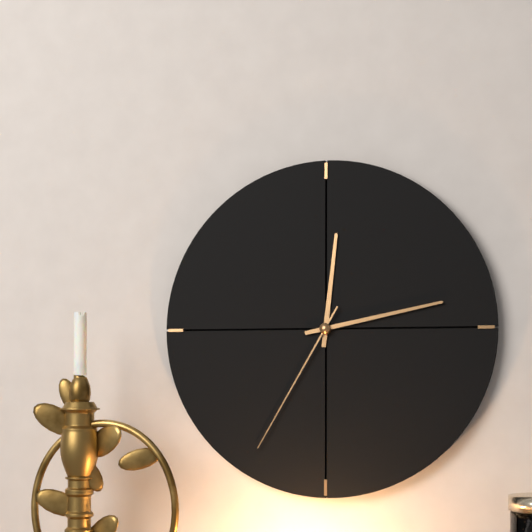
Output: 12h13m35s
